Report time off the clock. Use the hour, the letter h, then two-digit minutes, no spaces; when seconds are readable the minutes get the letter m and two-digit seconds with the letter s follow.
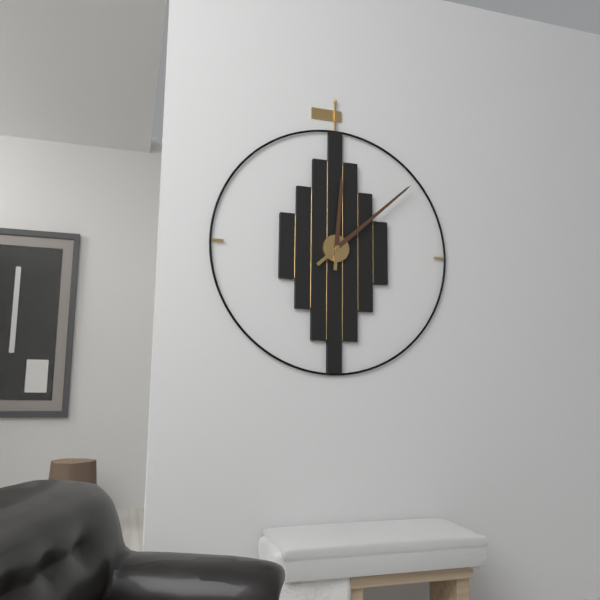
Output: 12h08
